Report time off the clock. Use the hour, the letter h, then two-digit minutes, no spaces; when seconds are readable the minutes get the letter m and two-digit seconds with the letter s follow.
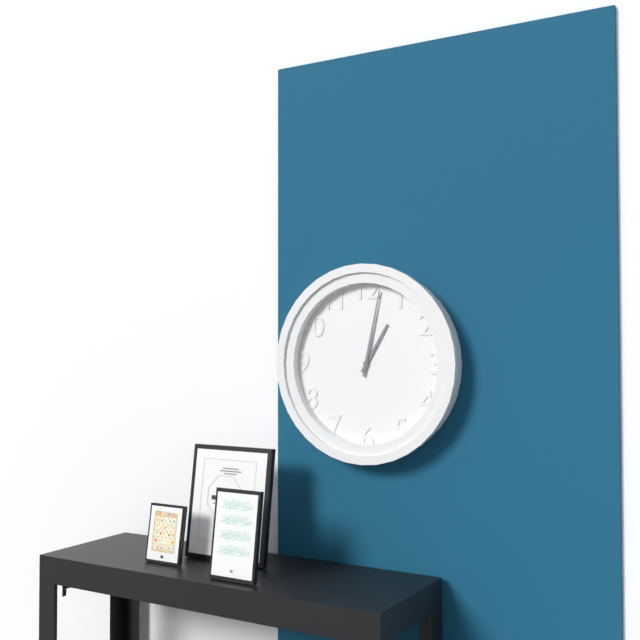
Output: 1h02
